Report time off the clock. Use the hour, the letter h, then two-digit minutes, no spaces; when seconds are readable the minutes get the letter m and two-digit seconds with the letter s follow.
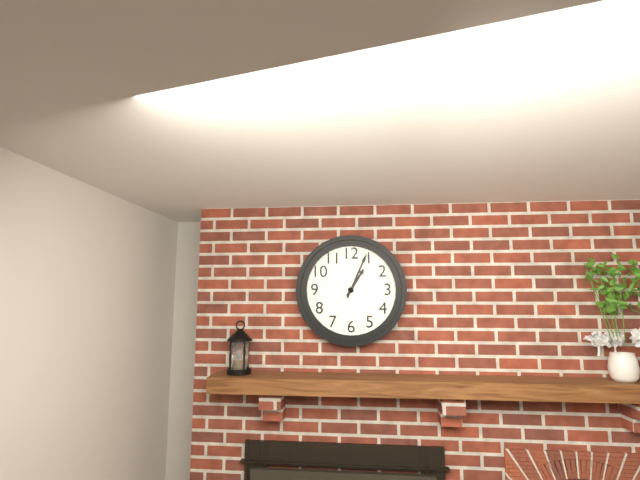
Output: 1h04
